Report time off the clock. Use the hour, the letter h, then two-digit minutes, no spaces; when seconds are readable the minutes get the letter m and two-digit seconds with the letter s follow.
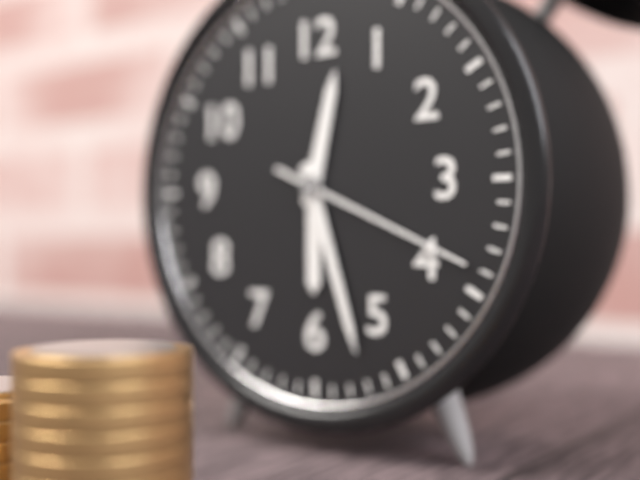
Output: 12h27m19s
